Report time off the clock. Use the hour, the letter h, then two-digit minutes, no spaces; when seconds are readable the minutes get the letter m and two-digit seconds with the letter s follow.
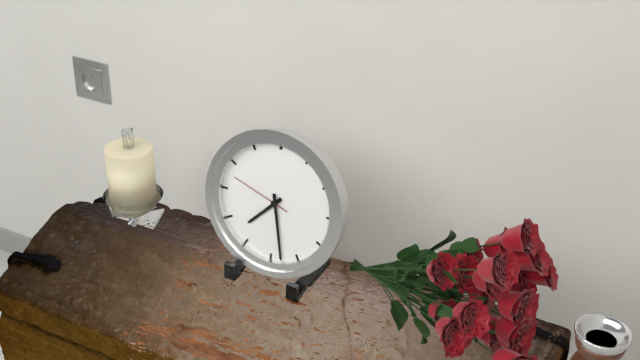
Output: 7h28m48s
